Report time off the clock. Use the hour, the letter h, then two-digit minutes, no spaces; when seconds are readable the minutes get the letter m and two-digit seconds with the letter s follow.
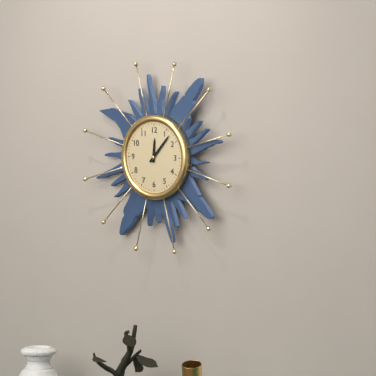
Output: 12h07
